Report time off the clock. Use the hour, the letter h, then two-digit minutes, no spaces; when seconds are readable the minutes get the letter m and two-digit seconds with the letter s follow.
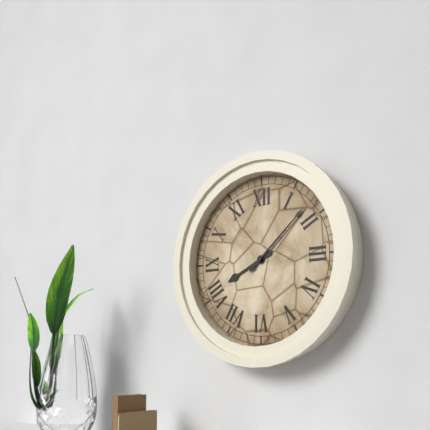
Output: 8h08
